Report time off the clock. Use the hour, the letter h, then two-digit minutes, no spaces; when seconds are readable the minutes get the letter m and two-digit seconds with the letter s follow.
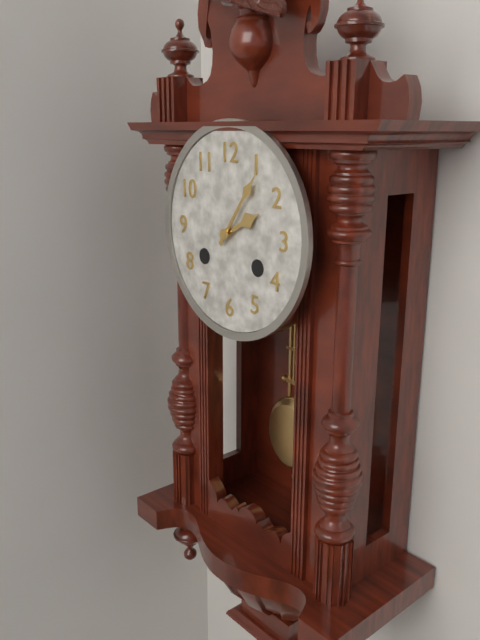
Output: 2h06
